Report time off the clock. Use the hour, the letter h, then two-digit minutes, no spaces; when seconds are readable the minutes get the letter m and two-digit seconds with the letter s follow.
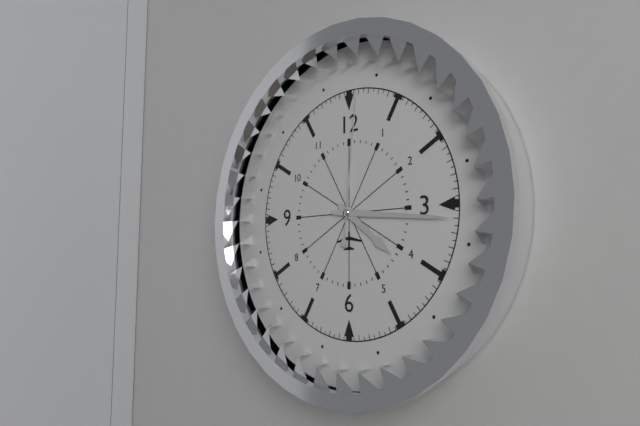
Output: 4h16m01s
